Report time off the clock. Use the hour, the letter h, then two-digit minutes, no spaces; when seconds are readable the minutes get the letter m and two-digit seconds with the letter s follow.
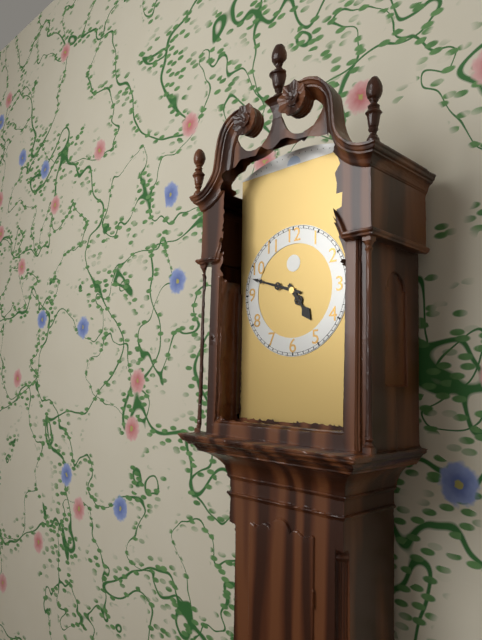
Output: 4h48
